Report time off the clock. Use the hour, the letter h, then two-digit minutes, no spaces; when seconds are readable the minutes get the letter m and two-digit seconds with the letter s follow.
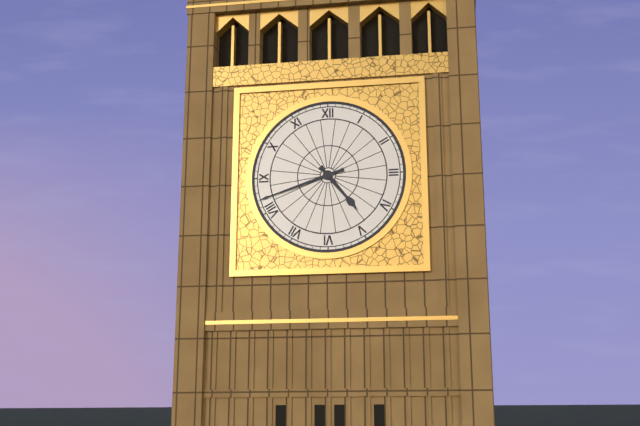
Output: 4h42
